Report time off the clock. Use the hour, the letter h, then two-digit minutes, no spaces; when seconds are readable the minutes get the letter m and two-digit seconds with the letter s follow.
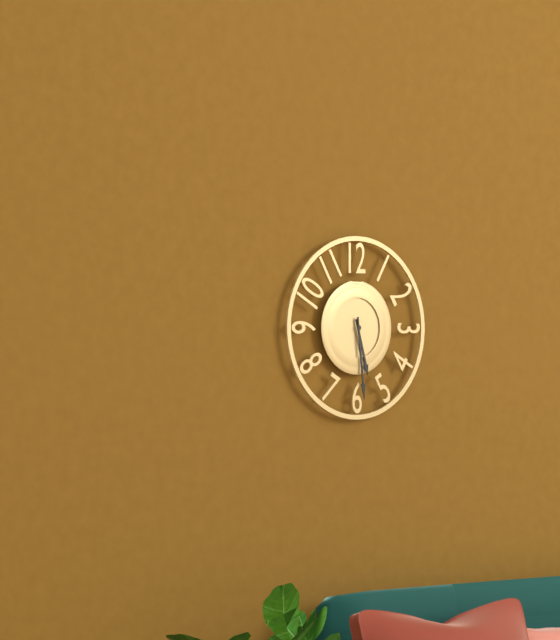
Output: 5h29
